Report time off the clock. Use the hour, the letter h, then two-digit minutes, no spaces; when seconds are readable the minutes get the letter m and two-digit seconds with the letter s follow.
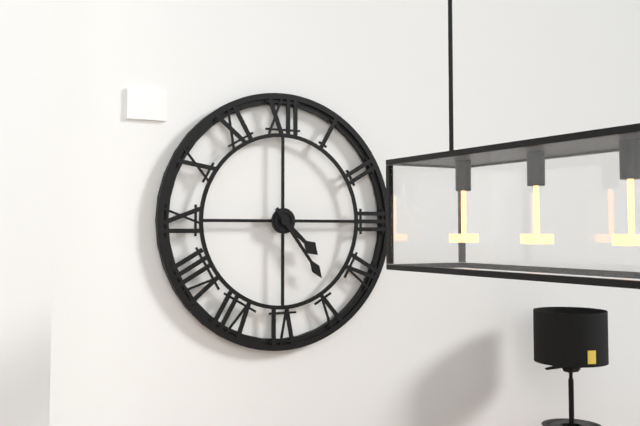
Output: 4h24
